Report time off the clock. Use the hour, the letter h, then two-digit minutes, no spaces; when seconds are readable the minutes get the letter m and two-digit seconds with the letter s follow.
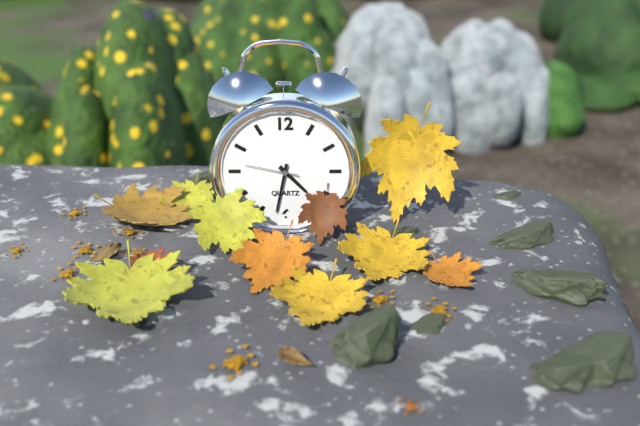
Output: 4h32m47s
